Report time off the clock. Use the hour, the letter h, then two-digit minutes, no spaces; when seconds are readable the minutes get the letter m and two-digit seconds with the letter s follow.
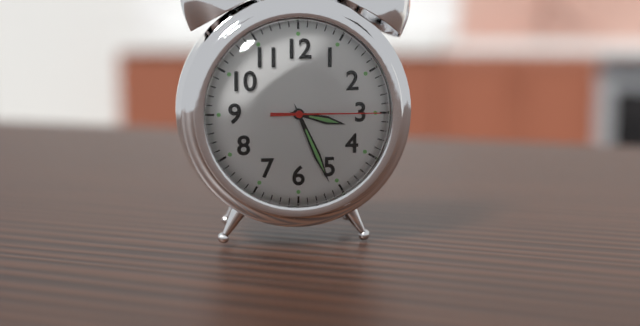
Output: 3h26m15s
